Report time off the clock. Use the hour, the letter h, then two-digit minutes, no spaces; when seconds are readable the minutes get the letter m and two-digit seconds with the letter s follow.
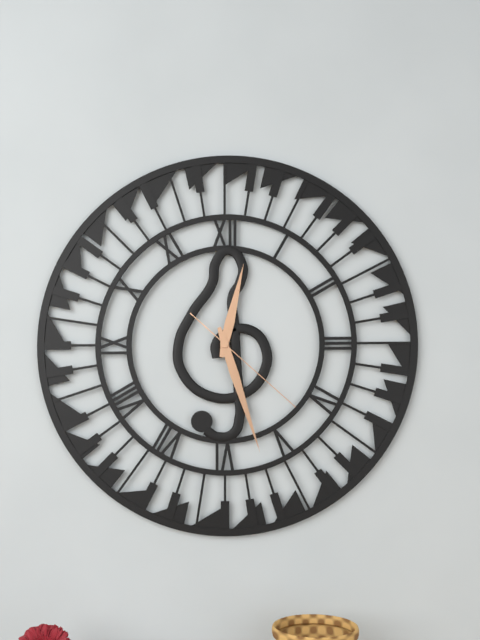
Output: 12h27m22s
